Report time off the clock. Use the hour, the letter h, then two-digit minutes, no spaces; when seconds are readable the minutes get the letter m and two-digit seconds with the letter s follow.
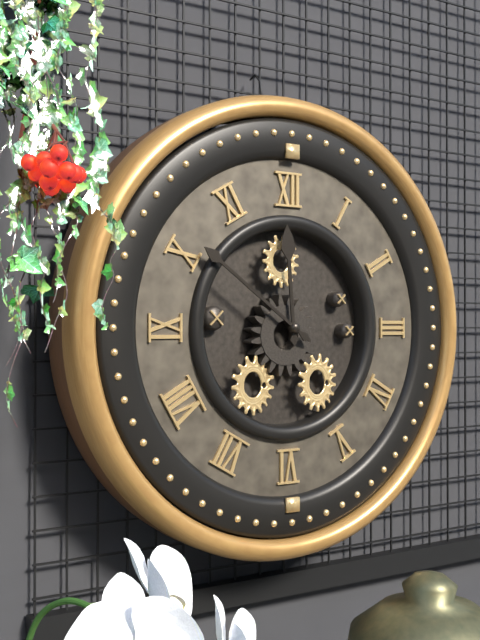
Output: 11h51
